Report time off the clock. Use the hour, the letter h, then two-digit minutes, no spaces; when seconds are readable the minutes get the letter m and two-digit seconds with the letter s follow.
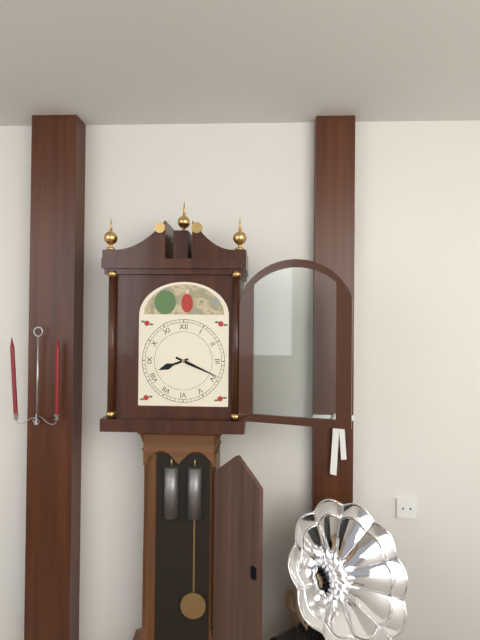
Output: 8h19
